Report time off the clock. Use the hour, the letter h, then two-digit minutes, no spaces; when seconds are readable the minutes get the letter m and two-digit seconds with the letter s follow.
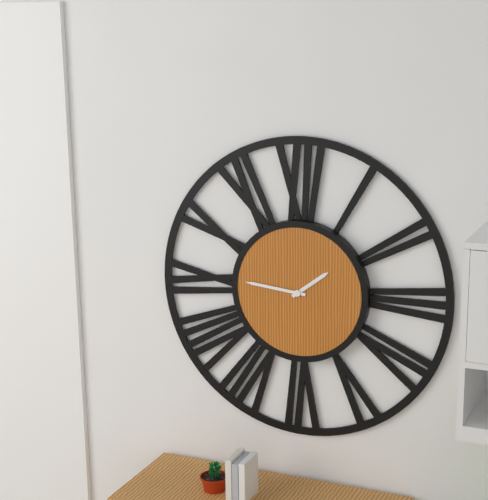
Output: 1h46
